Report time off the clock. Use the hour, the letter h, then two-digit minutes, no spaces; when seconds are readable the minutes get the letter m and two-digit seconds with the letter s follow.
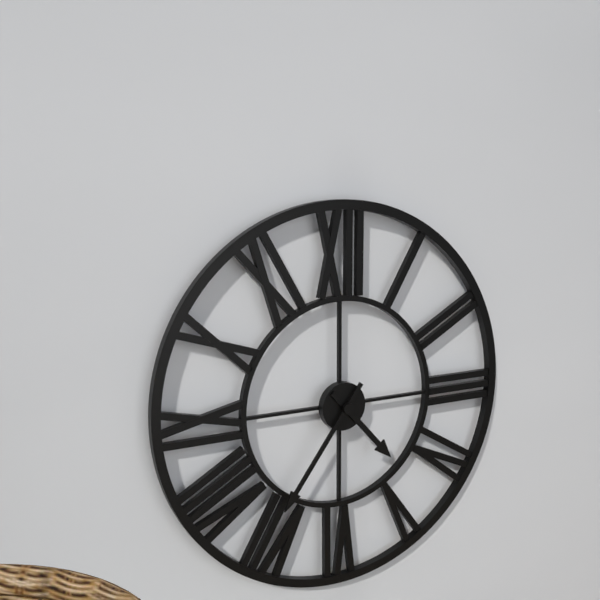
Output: 4h36
